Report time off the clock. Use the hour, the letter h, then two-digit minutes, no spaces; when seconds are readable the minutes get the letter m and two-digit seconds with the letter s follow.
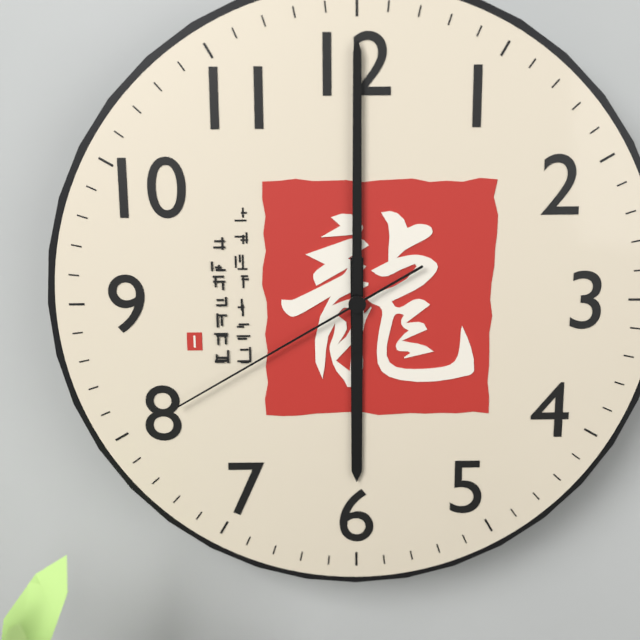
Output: 6h00m40s
